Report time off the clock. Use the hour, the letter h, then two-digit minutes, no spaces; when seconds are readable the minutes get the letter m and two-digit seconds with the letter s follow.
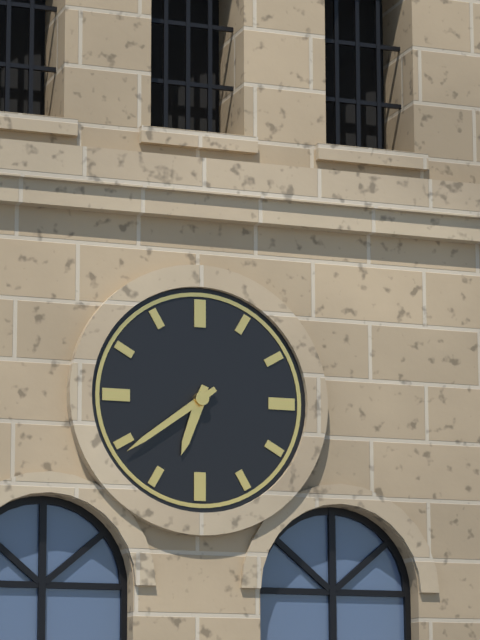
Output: 6h39
